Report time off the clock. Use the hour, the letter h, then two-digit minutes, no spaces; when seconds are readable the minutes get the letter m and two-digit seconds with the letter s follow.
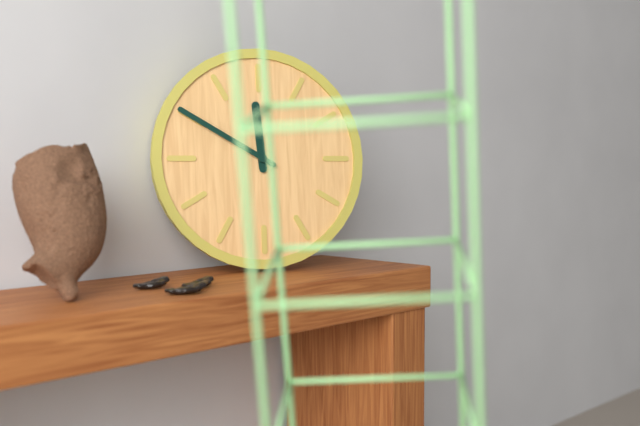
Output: 11h50
